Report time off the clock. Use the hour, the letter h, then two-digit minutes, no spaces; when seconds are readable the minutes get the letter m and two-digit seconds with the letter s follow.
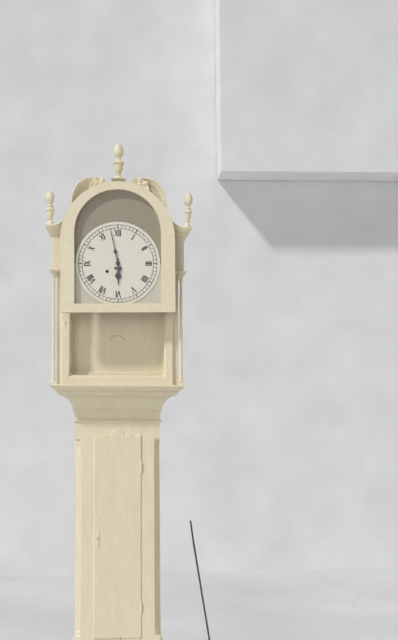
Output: 5h58
